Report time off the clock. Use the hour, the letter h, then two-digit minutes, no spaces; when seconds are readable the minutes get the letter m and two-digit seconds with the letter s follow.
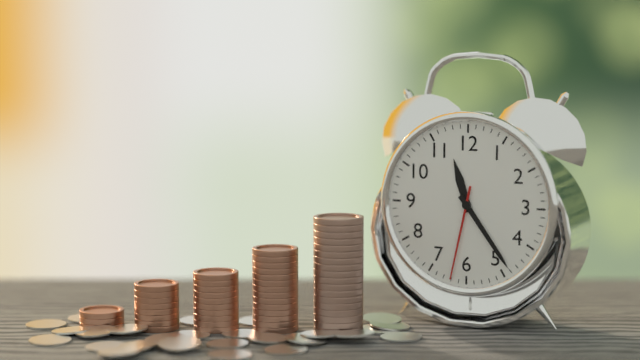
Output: 11h24m32s
